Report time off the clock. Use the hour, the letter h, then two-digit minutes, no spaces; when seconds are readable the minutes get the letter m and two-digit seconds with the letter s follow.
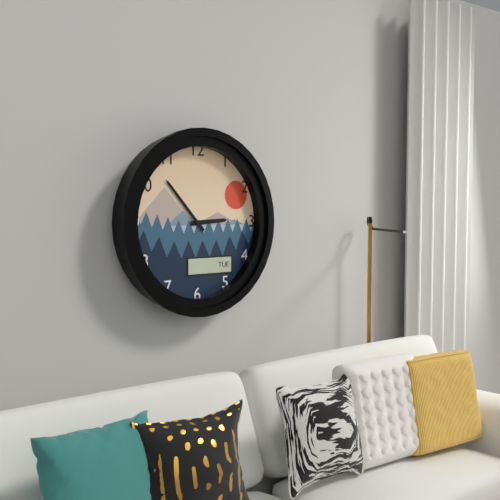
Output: 2h53
